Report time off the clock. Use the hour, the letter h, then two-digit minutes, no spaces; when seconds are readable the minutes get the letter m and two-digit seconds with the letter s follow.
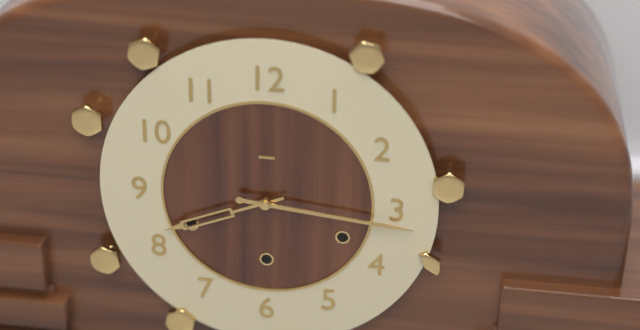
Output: 8h16
